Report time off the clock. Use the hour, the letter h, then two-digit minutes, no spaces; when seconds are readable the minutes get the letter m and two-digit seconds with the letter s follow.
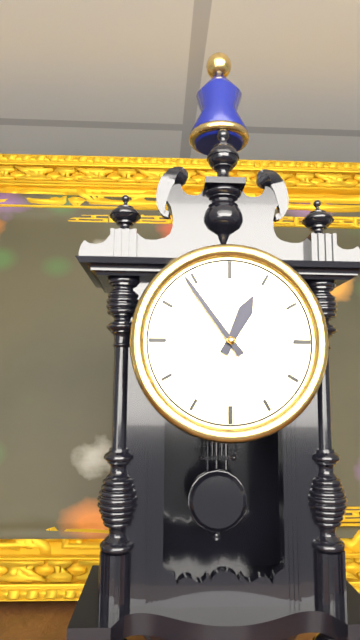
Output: 12h54
